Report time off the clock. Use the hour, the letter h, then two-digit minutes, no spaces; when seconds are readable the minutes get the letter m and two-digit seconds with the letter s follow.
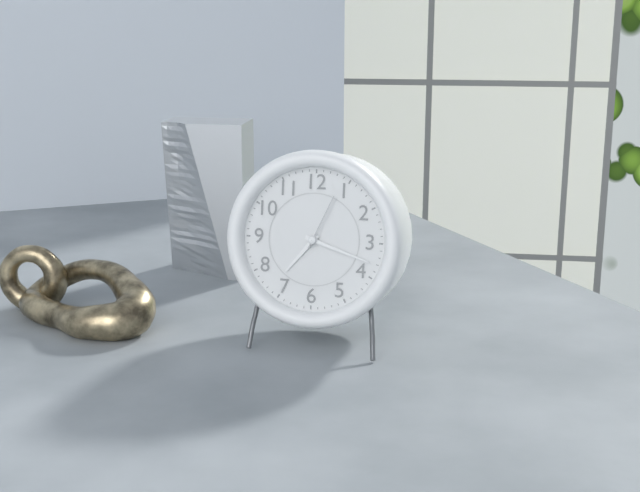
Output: 7h18m04s
